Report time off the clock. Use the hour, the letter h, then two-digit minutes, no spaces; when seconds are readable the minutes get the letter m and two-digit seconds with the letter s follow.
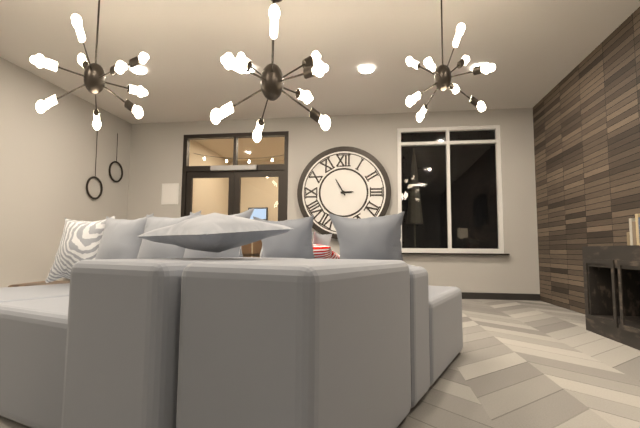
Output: 2h55
